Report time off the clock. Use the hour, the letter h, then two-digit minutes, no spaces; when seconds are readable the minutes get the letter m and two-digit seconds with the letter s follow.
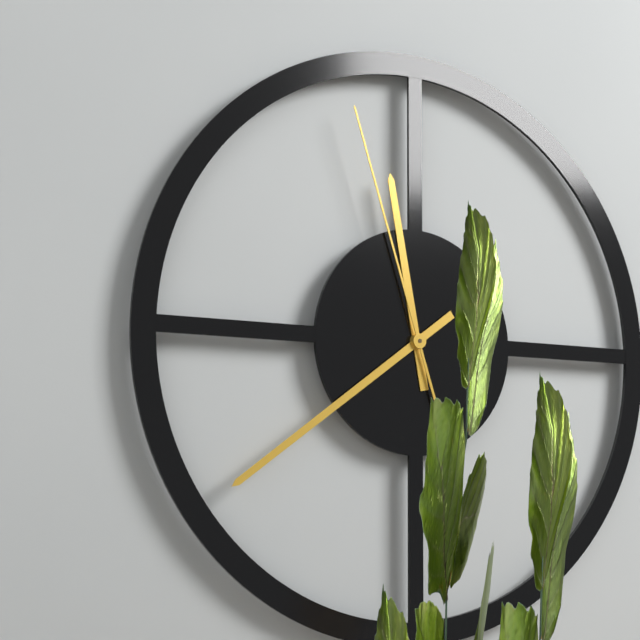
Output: 11h39m57s
